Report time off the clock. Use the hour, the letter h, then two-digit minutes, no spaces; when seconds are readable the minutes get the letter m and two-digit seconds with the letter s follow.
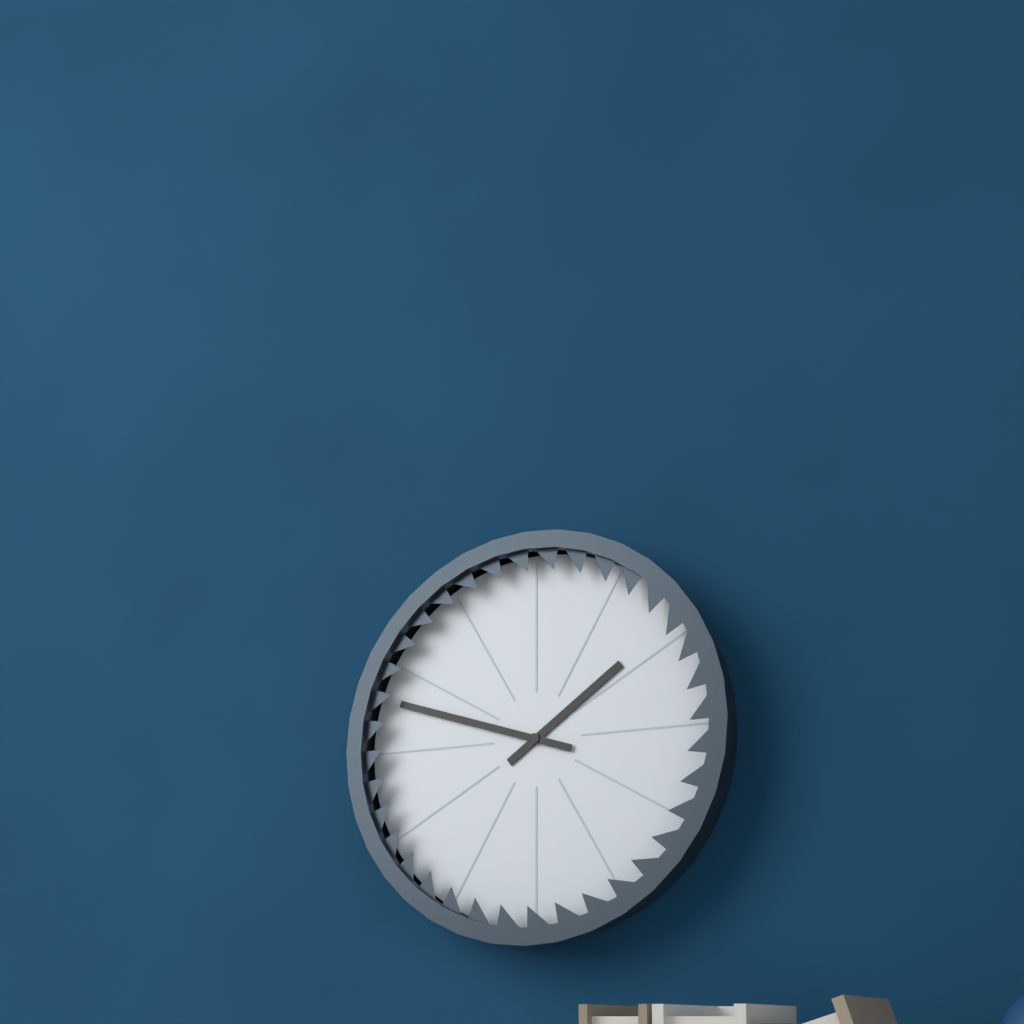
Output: 1h48
